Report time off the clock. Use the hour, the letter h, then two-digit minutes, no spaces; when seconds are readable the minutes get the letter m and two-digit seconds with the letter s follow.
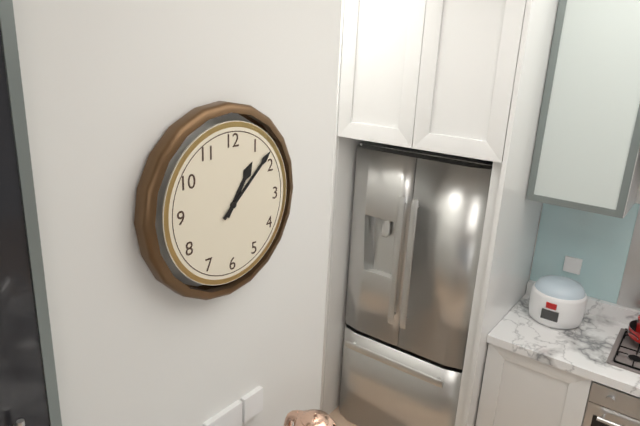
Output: 1h08
